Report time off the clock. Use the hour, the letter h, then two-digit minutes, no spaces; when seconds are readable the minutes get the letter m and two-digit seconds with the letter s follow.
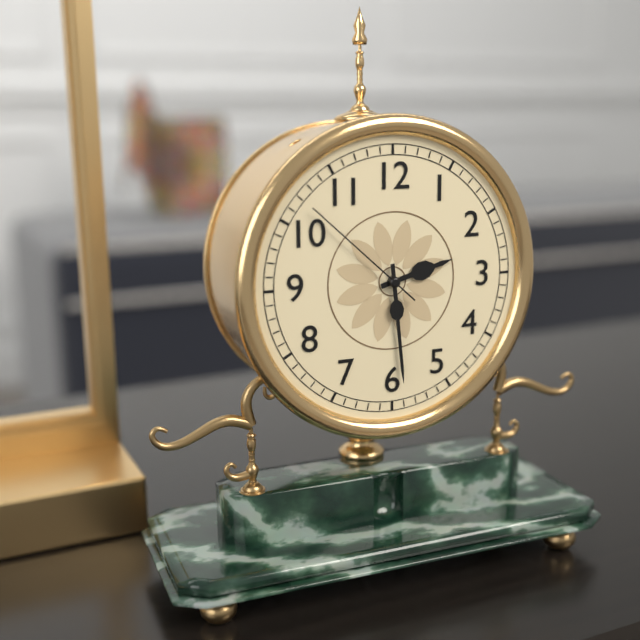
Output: 2h29m52s
